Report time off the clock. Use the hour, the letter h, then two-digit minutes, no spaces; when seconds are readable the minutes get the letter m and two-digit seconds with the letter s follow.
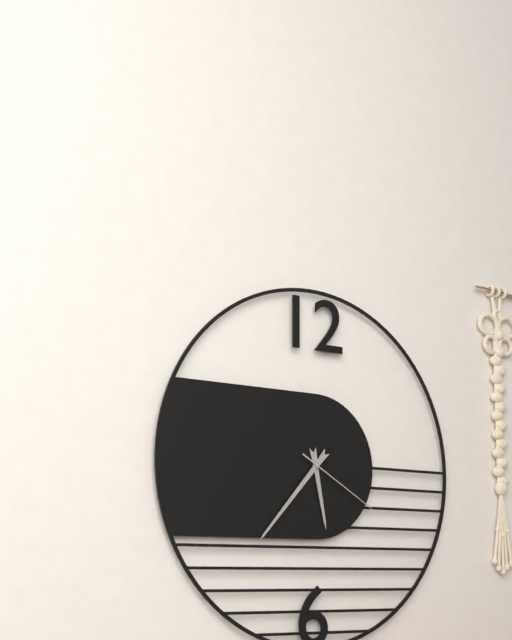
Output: 5h37m20s
